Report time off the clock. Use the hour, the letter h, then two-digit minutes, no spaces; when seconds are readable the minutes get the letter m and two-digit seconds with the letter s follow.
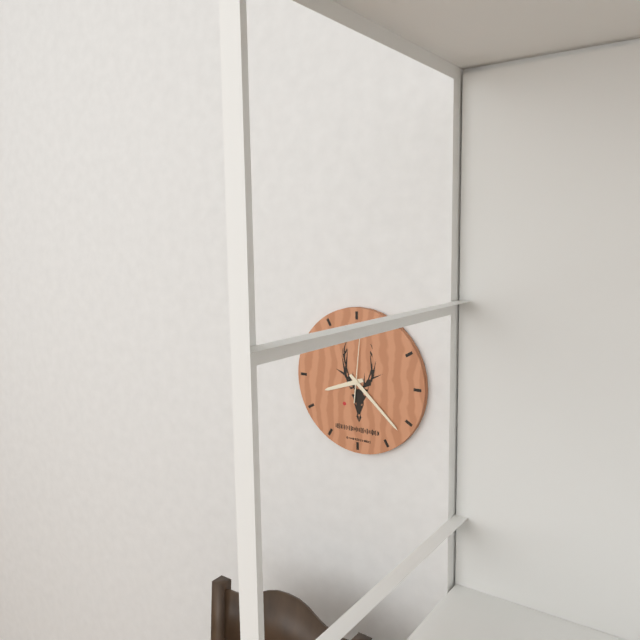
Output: 8h22m01s
